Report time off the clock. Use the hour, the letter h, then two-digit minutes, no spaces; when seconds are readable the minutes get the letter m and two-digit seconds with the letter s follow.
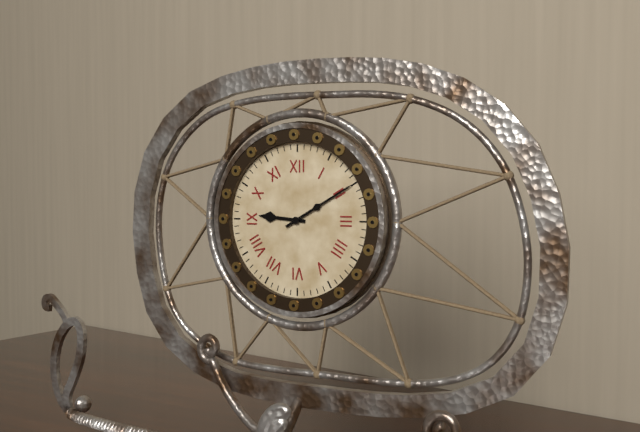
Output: 9h10
